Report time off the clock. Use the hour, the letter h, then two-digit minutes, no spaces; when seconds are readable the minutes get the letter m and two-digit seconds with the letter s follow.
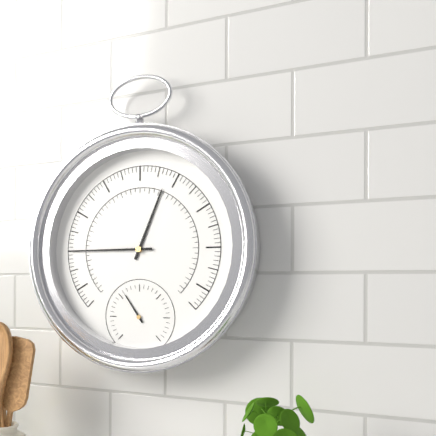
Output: 12h45
